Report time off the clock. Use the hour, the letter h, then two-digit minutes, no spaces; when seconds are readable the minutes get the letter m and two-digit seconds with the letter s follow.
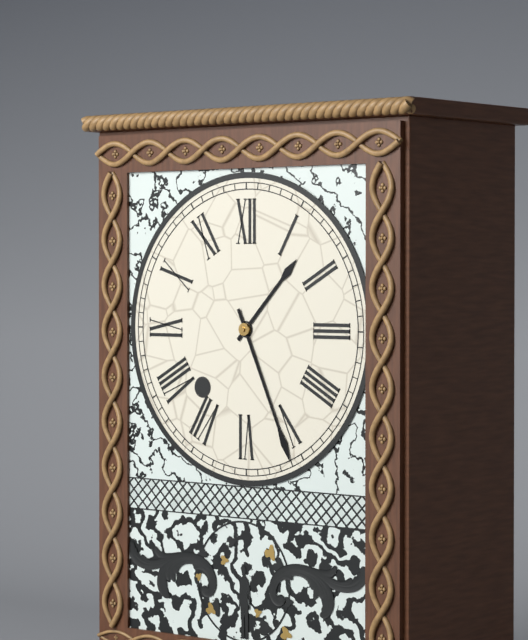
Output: 1h26
